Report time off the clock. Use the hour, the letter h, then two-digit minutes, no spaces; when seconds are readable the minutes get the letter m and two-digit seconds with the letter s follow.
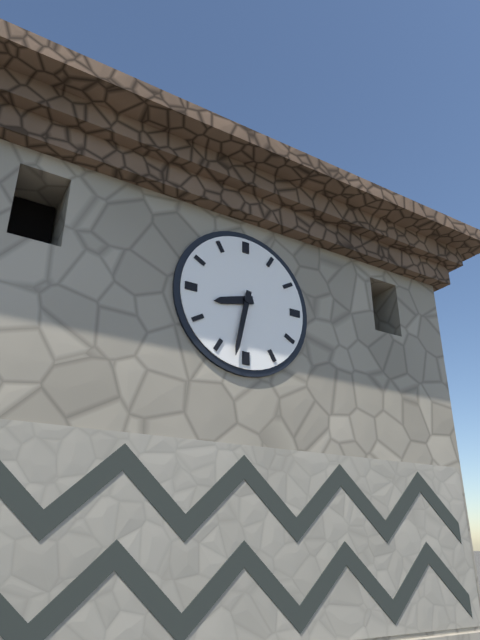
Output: 8h32
